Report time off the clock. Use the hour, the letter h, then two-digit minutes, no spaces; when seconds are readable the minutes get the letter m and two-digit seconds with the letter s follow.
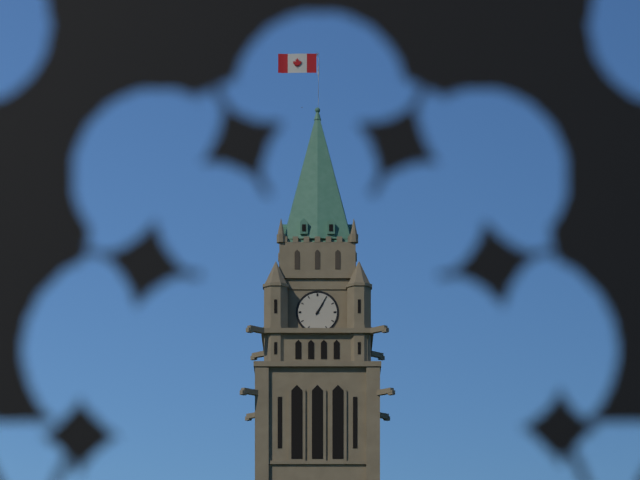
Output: 1h05
